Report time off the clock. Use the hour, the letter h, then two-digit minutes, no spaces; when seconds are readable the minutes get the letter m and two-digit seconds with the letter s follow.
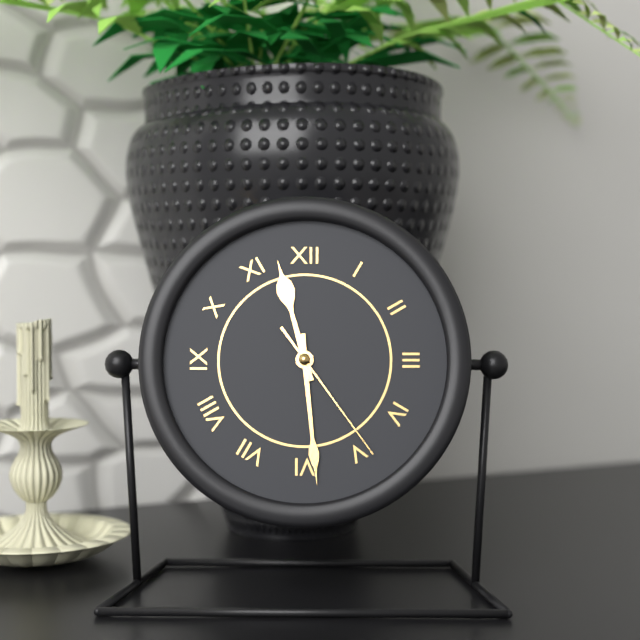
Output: 11h29m24s
